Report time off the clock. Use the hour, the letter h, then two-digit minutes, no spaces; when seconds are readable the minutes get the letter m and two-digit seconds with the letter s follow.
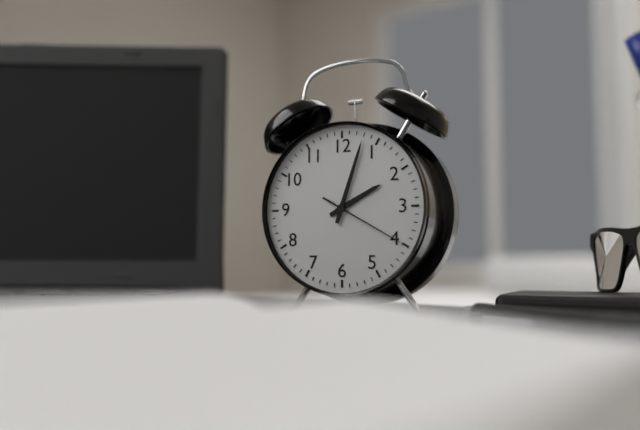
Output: 2h03m20s
